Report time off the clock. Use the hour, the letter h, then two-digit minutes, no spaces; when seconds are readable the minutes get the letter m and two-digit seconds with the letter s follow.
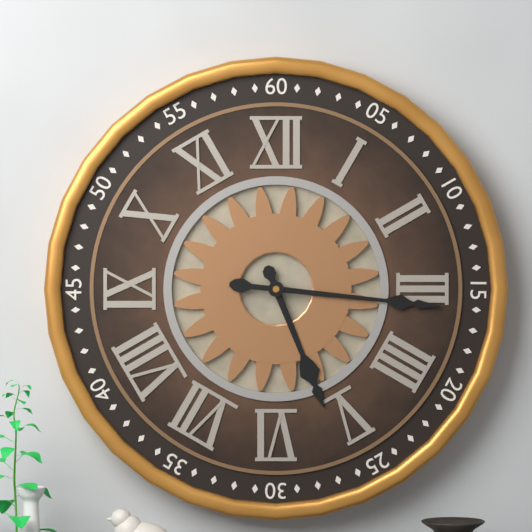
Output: 5h16
